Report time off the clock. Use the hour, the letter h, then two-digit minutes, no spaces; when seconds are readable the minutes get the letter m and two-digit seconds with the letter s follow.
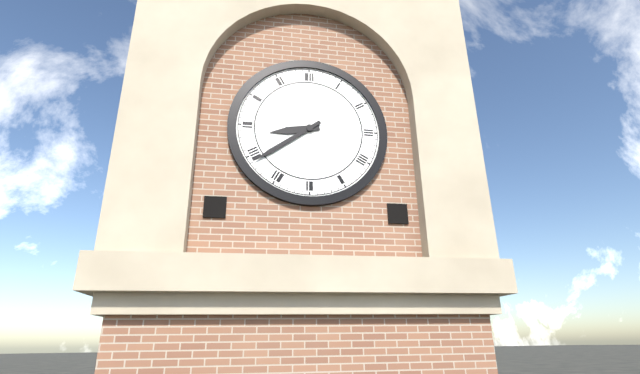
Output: 8h39
